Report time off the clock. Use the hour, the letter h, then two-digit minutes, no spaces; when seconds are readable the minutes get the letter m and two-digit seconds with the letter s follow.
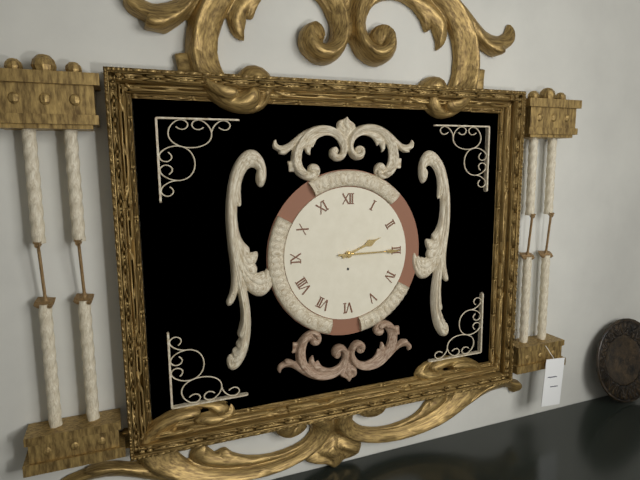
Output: 2h15
